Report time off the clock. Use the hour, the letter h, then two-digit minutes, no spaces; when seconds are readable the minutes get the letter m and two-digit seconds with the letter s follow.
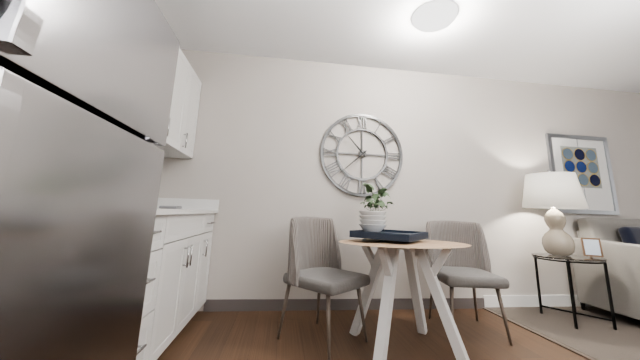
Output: 10h38
